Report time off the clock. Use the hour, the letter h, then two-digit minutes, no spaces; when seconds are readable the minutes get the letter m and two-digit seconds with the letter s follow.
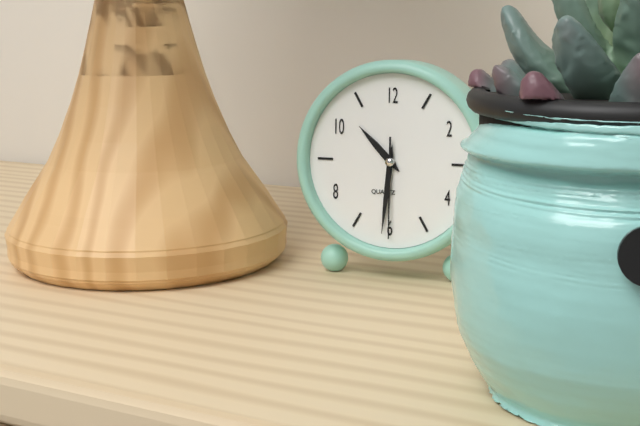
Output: 10h31m30s
